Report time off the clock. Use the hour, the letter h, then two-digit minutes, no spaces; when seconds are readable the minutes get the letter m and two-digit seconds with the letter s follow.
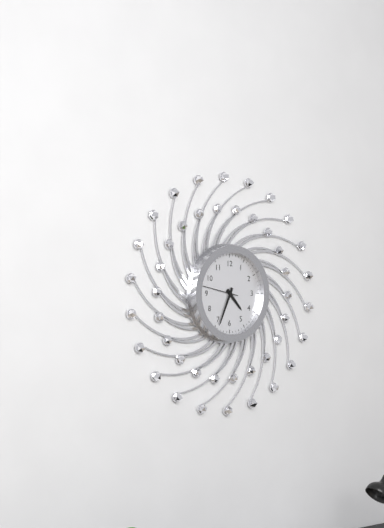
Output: 4h34
